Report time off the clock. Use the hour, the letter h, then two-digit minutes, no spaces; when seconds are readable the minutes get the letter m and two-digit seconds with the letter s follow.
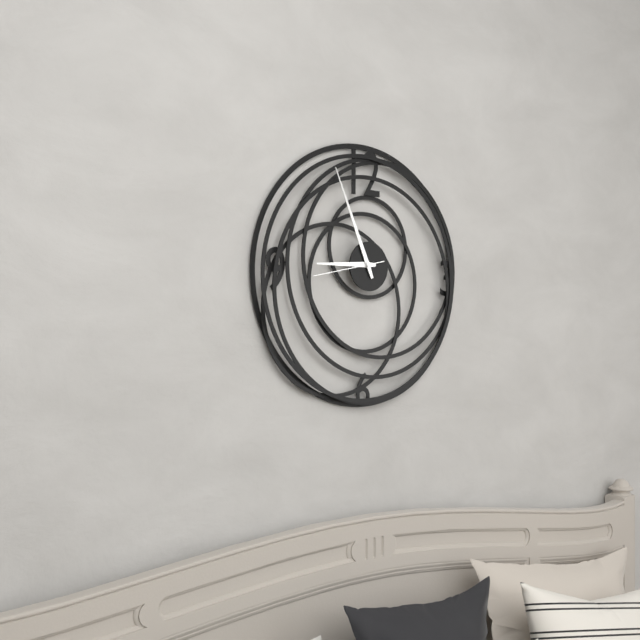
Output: 8h56m43s
